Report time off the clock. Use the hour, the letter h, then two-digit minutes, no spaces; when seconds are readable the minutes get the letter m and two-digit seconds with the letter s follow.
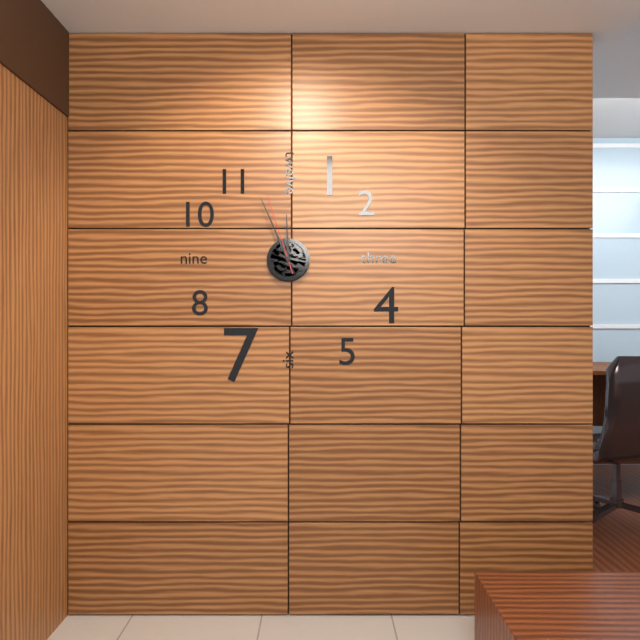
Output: 11h56m57s
